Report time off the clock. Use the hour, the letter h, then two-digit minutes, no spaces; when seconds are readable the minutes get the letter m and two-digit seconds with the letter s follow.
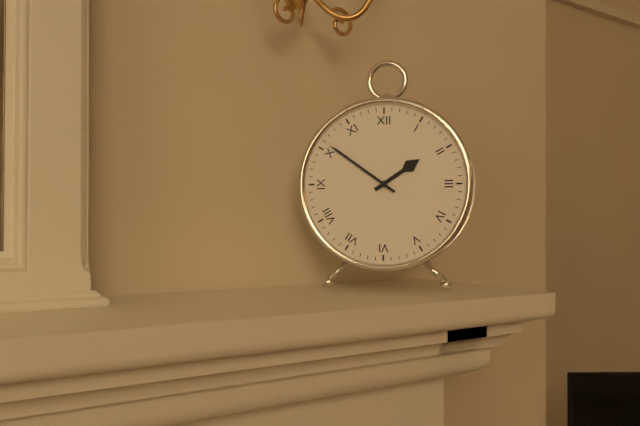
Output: 1h51
